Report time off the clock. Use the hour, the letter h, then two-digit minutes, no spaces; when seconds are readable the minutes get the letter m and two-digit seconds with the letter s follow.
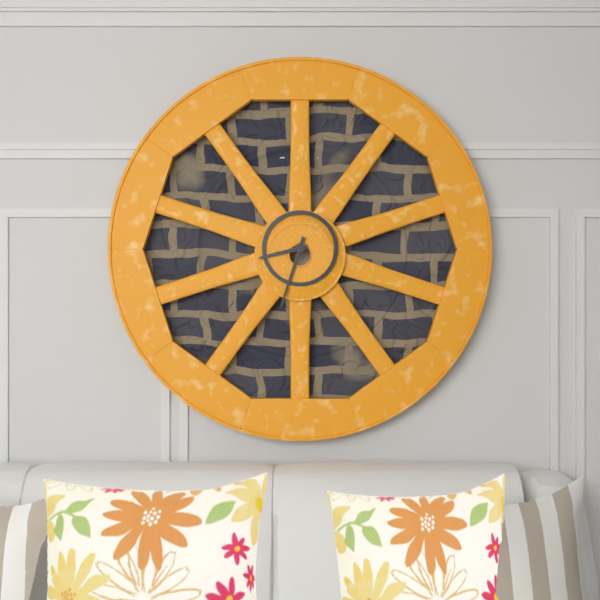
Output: 8h33
